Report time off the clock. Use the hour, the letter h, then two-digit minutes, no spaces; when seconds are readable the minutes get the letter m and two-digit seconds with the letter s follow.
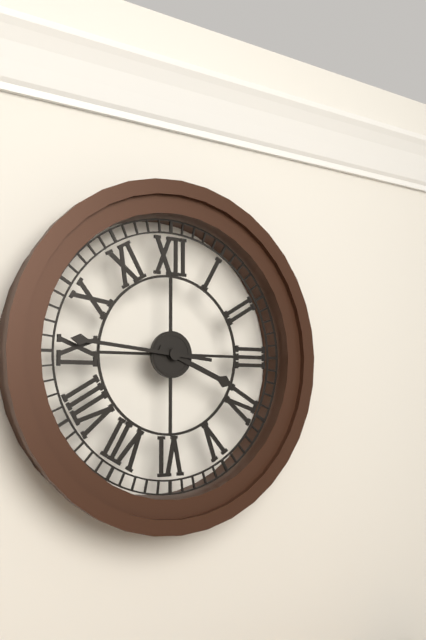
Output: 3h46
